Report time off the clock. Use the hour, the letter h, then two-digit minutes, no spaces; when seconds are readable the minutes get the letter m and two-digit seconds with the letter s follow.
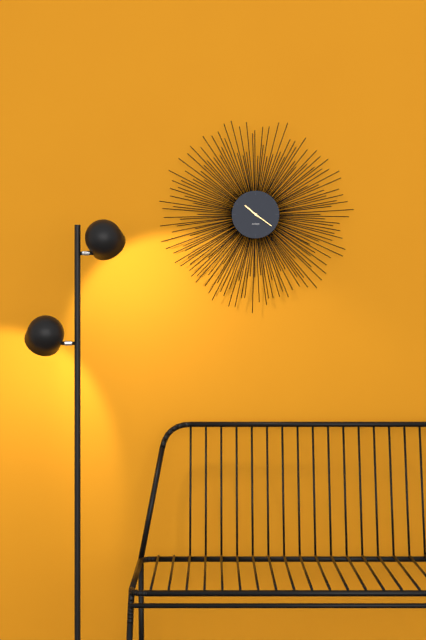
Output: 10h21
